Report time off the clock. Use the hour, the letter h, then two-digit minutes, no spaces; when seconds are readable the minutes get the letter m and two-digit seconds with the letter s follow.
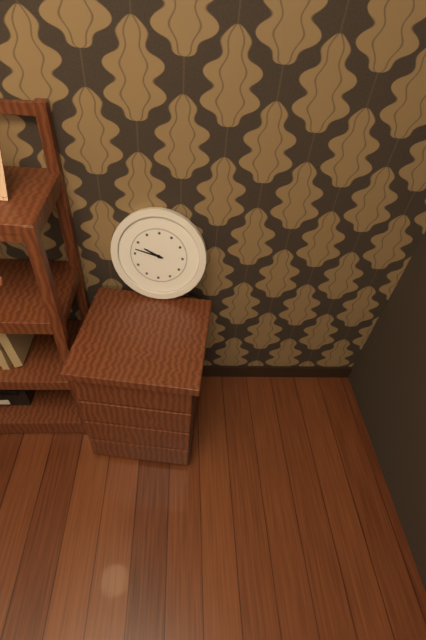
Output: 9h47
